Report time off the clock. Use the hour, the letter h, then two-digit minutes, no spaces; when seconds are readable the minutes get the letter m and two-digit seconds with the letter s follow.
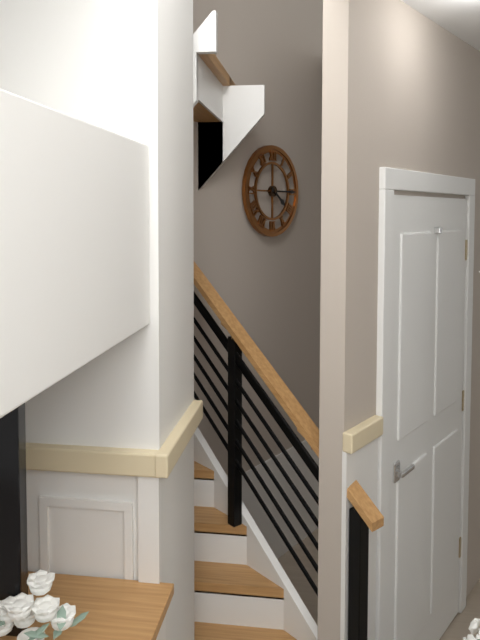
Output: 4h15
